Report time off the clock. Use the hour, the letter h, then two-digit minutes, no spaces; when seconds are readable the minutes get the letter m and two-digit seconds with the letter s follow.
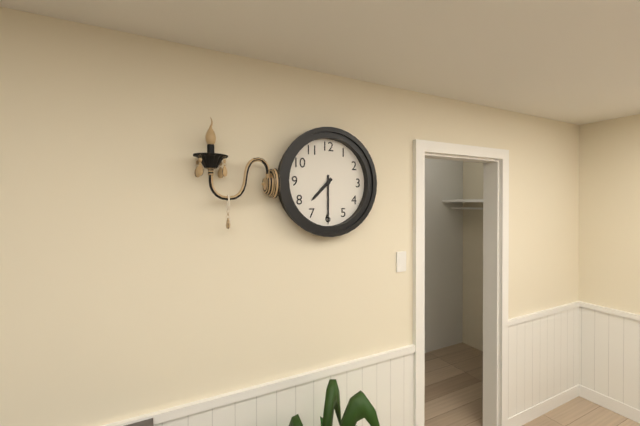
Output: 7h30
